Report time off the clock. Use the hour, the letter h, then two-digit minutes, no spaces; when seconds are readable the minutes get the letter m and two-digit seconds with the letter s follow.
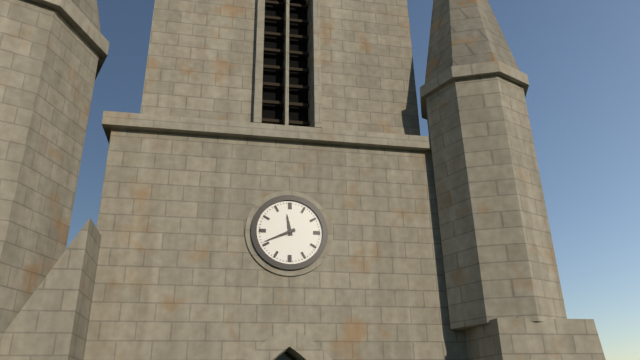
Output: 11h41
